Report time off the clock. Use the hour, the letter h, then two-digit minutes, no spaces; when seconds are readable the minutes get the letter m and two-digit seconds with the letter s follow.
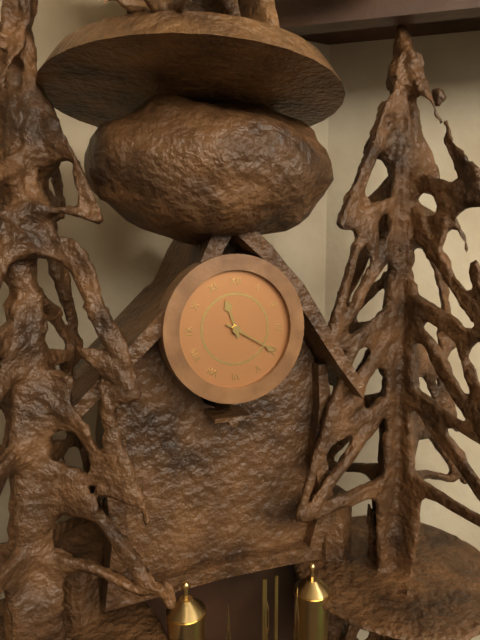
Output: 11h20
